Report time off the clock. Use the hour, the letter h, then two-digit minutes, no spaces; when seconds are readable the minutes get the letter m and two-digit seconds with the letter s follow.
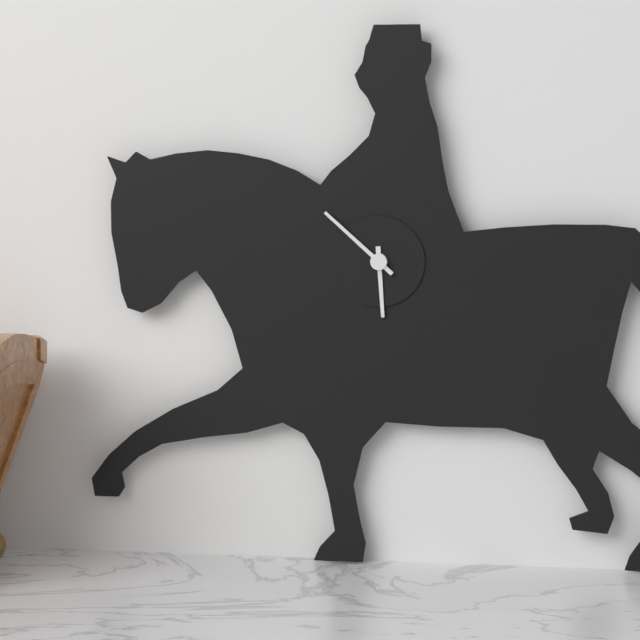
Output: 5h52
